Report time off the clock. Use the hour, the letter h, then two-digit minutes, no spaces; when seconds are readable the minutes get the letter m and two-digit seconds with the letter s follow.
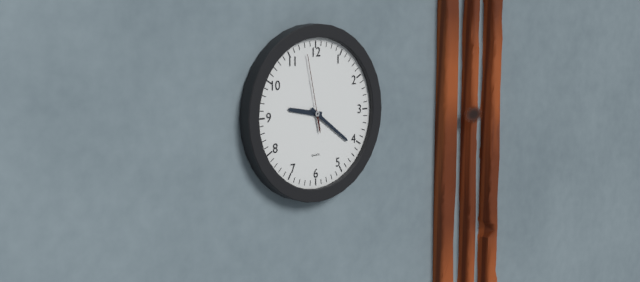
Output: 9h21m58s
